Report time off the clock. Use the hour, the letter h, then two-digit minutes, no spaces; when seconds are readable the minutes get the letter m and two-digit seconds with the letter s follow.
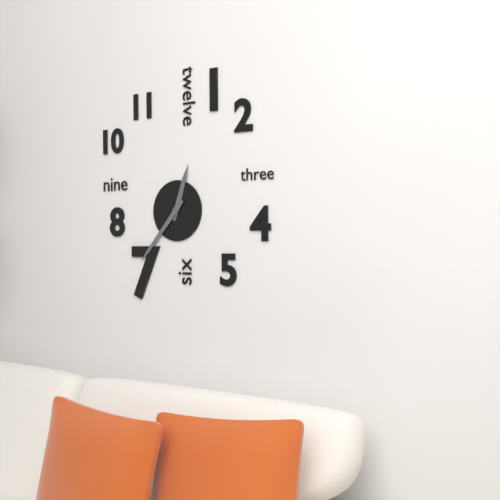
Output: 12h37
